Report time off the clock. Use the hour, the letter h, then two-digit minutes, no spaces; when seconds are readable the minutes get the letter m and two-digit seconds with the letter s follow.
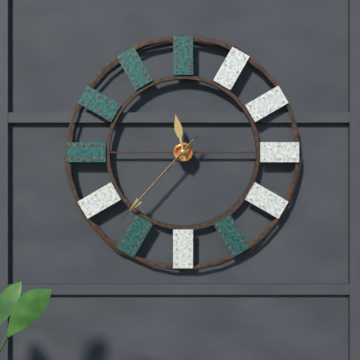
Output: 11h37m37s
